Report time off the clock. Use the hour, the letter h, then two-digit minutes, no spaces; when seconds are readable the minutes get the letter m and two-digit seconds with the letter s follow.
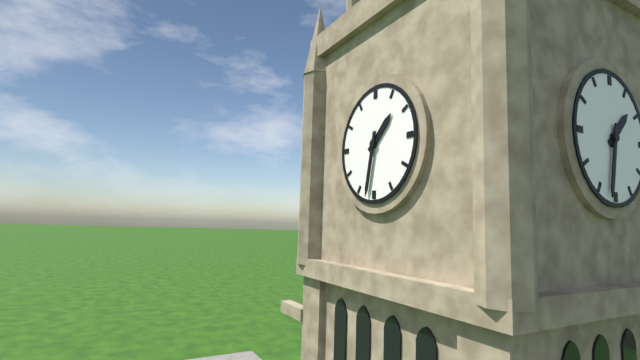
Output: 1h32
